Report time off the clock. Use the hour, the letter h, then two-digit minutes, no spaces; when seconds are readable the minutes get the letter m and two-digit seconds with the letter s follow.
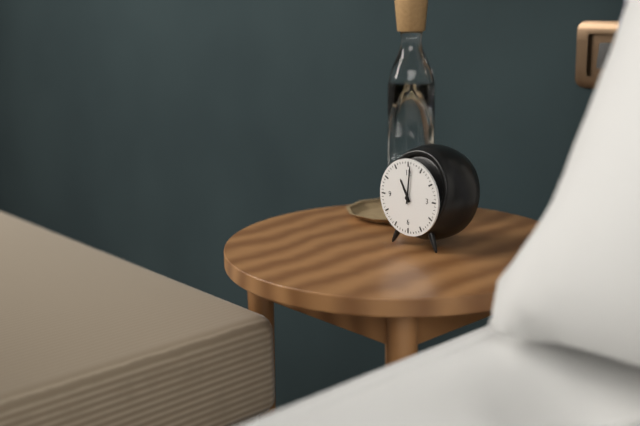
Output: 11h01
